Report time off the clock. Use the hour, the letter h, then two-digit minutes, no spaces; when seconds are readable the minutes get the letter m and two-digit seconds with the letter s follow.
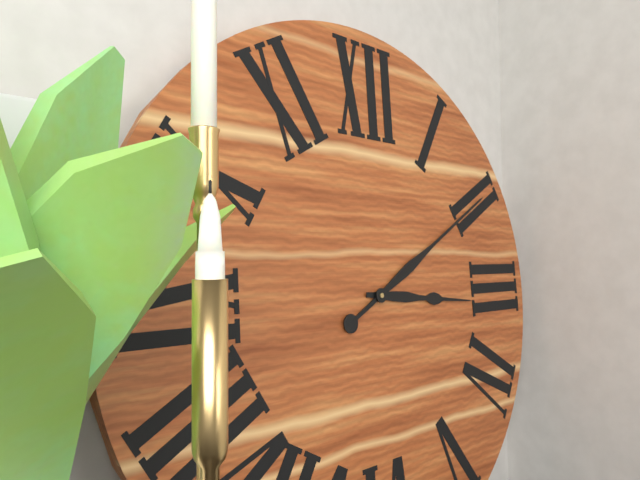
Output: 3h10
